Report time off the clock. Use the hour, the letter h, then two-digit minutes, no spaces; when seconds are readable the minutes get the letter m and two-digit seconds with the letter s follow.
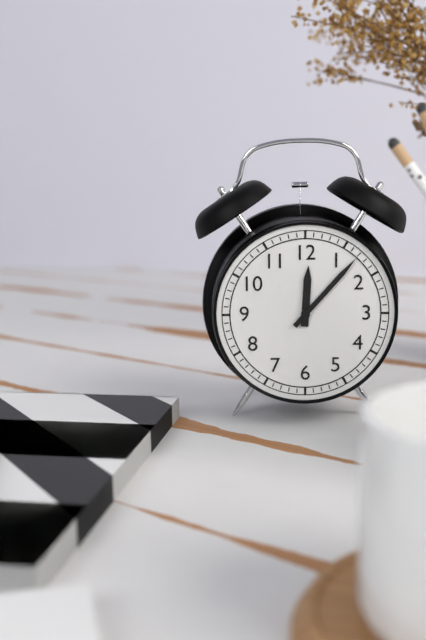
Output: 12h07
